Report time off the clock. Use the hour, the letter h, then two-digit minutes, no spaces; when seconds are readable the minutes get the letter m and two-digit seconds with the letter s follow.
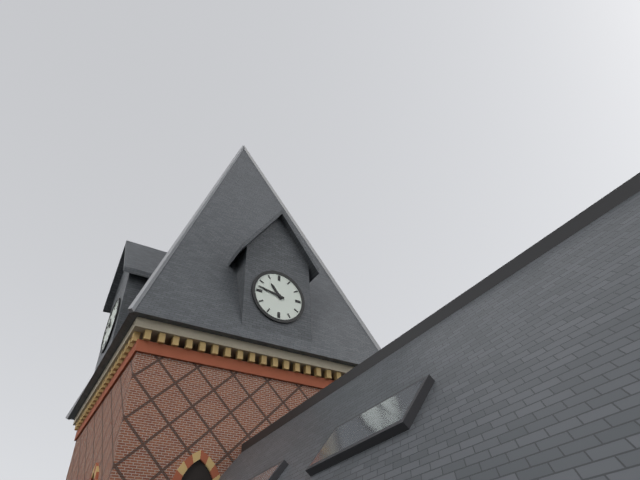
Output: 10h47
